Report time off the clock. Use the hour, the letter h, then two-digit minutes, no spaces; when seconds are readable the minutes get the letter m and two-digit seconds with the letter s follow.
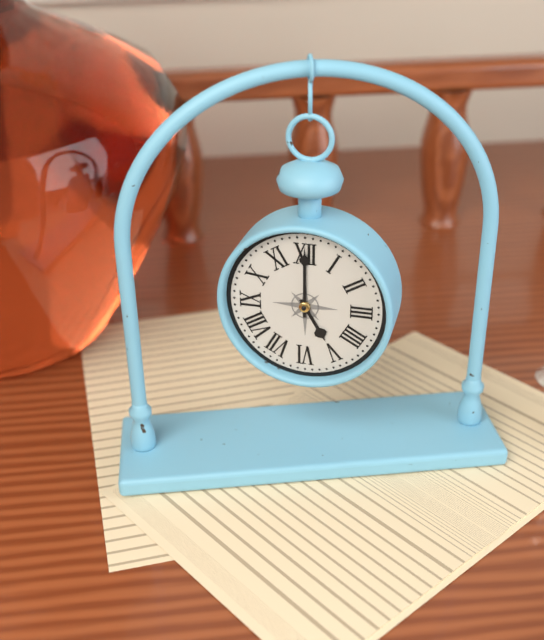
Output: 5h00
